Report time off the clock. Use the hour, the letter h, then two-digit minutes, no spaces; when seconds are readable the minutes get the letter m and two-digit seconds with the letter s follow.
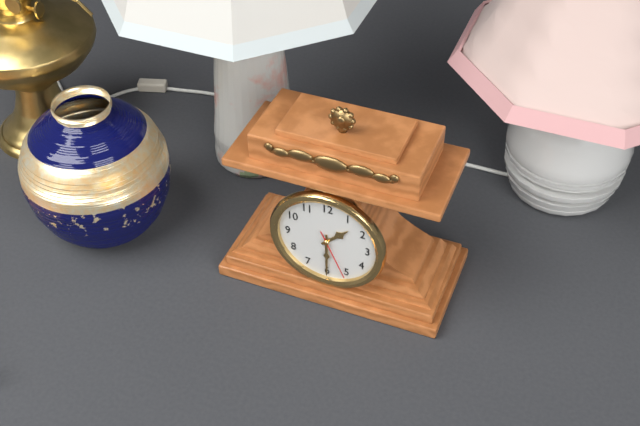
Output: 1h30m26s
